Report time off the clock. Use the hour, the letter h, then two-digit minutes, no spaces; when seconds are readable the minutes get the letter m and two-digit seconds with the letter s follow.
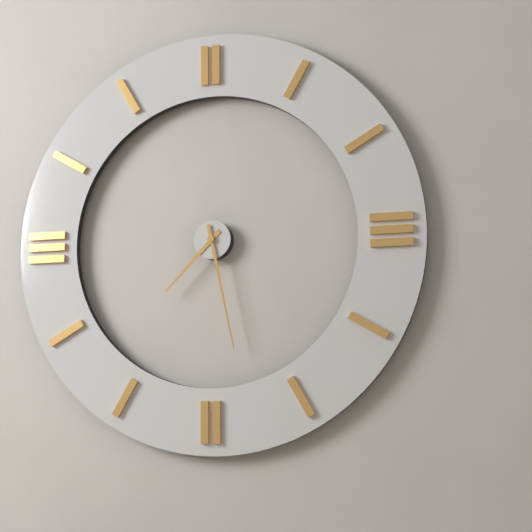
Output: 7h28
